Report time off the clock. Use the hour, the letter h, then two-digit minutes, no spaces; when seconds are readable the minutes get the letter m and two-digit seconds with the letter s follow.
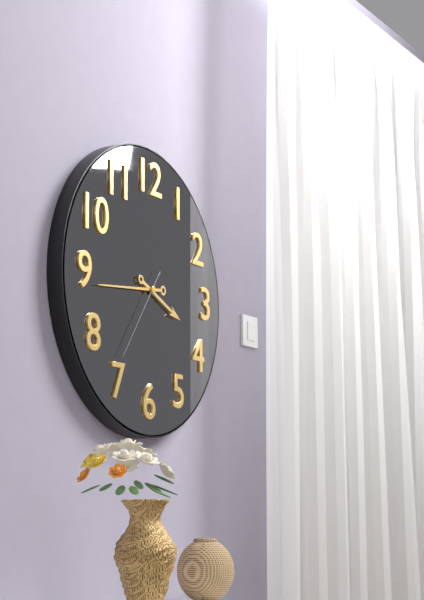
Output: 3h44m36s
